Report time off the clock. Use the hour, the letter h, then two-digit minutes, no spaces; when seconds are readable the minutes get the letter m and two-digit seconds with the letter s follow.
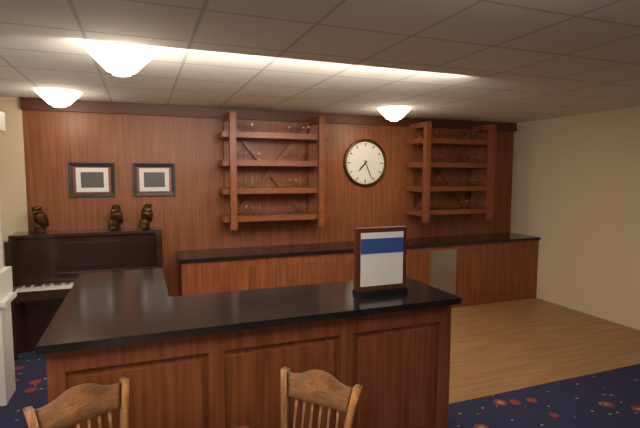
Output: 7h26
